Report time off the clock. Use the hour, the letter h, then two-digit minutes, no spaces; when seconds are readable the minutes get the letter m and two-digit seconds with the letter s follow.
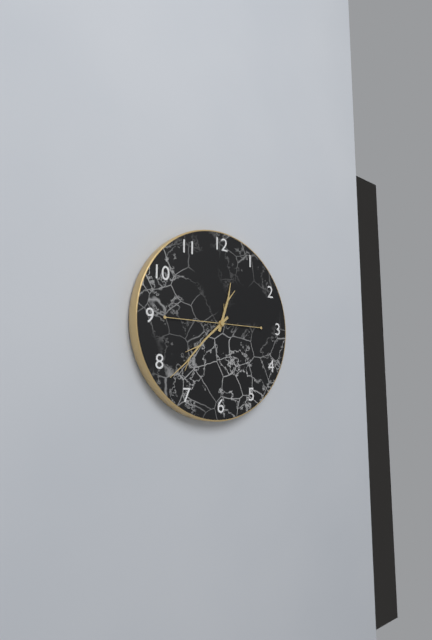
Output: 12h38m45s
